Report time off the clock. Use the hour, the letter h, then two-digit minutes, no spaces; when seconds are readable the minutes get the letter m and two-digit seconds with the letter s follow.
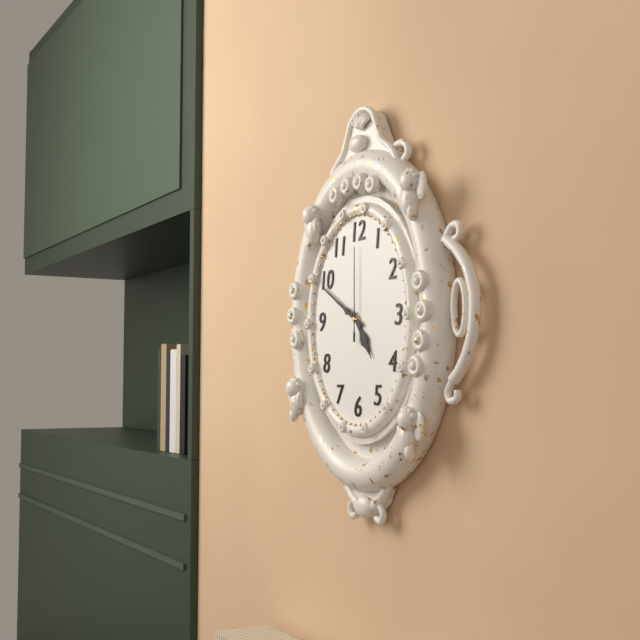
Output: 4h50m00s
